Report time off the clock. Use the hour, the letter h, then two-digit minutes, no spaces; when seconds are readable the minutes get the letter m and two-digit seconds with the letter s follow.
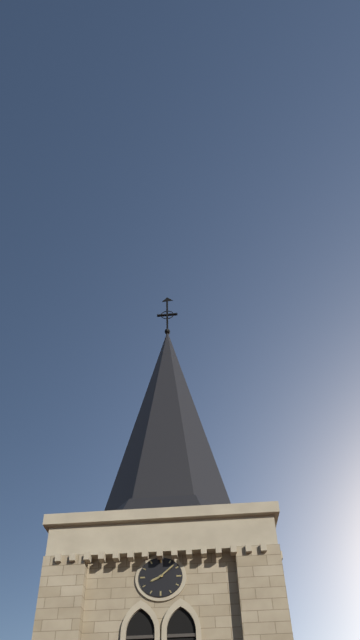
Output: 8h08
